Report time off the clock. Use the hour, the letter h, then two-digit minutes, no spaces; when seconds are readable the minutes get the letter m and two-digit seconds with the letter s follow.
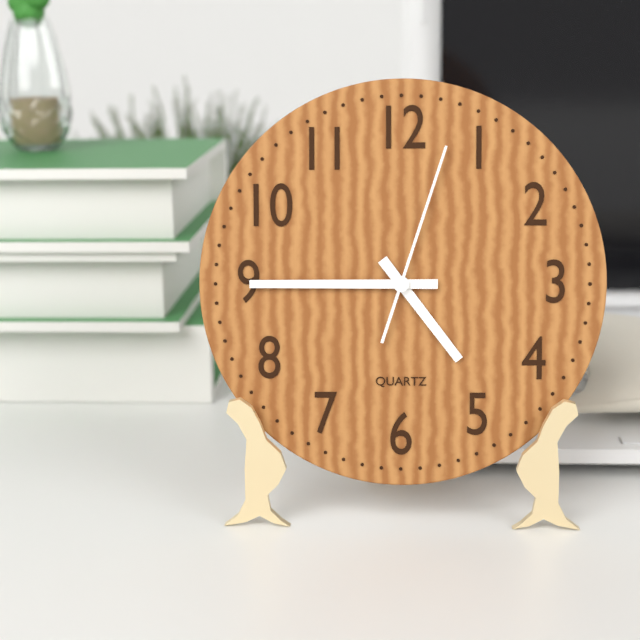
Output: 4h45m03s
